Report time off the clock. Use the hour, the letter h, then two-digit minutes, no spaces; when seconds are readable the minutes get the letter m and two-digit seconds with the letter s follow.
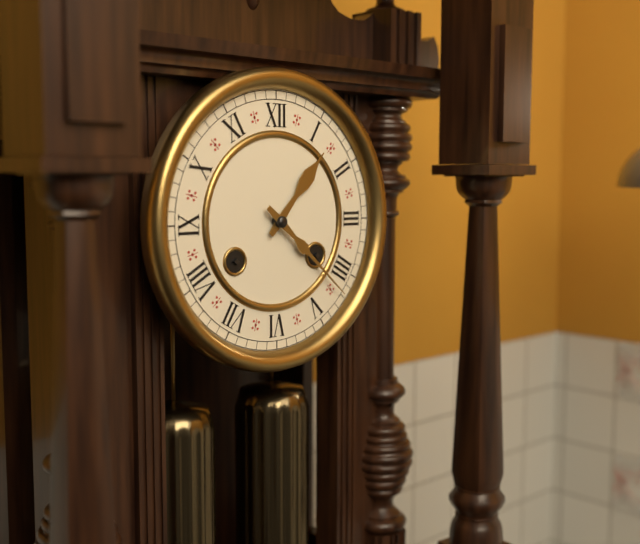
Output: 1h22
